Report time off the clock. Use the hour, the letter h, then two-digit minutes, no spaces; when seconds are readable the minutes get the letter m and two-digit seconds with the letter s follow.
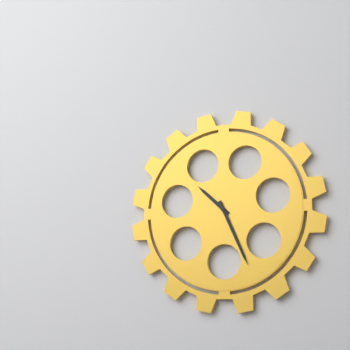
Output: 10h26
